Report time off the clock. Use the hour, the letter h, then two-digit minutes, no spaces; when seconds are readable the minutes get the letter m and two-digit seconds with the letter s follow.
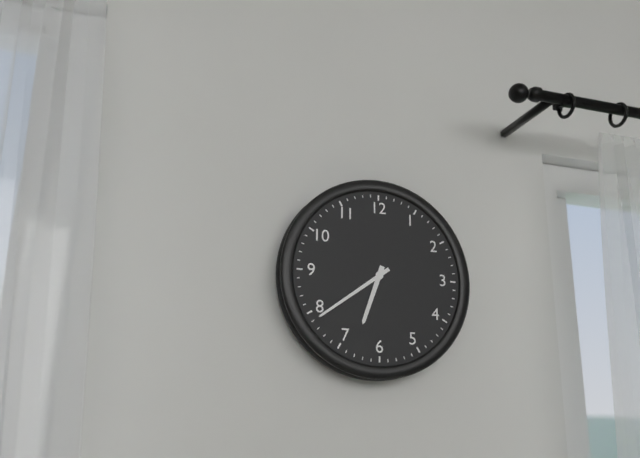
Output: 6h39
